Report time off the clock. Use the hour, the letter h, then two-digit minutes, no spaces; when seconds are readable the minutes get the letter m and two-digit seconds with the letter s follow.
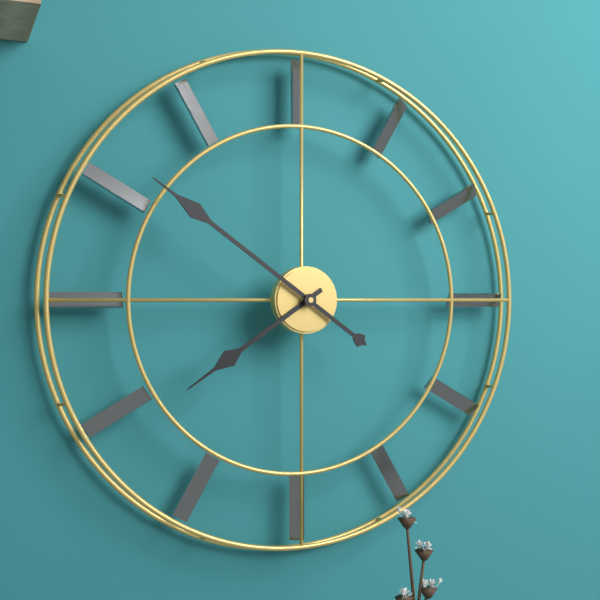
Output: 7h51
